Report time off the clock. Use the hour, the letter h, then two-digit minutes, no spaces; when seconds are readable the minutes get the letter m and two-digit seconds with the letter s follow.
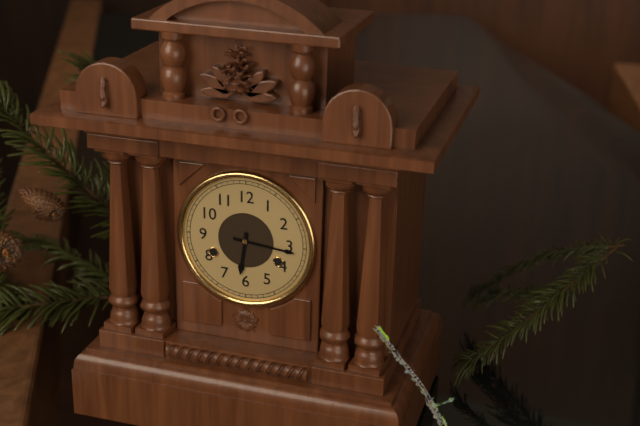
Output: 6h16
